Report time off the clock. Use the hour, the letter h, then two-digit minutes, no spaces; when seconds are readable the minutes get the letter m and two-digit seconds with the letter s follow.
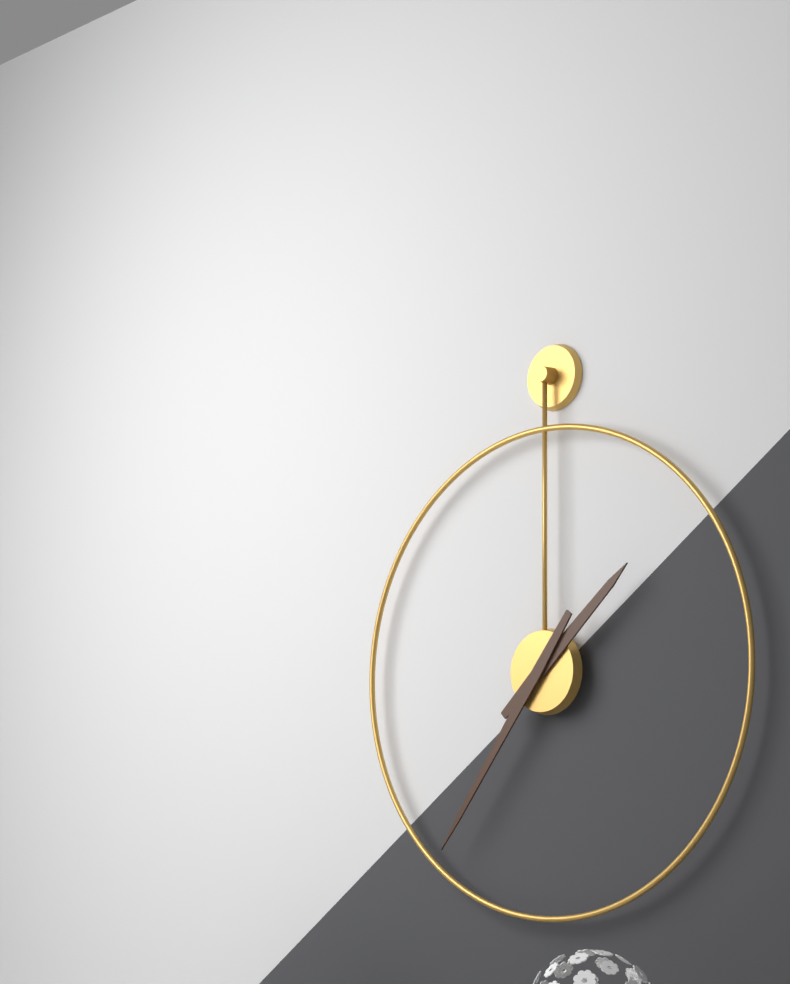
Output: 1h36
